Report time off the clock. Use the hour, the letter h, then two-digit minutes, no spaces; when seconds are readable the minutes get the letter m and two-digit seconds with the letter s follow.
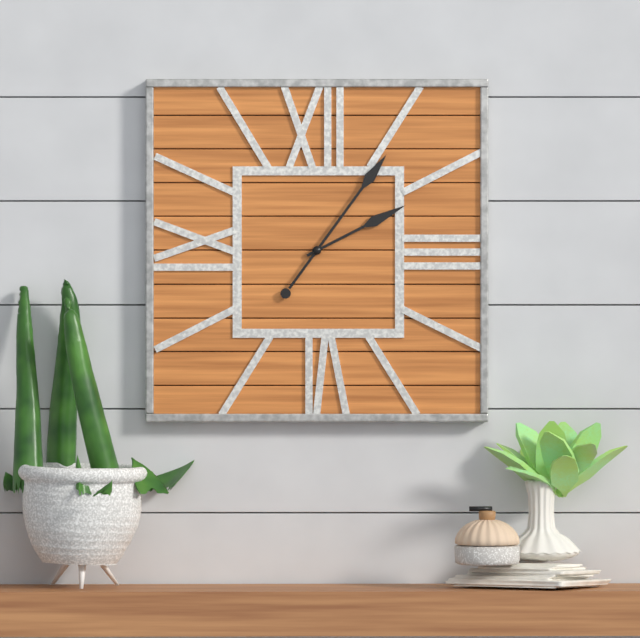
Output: 2h06
